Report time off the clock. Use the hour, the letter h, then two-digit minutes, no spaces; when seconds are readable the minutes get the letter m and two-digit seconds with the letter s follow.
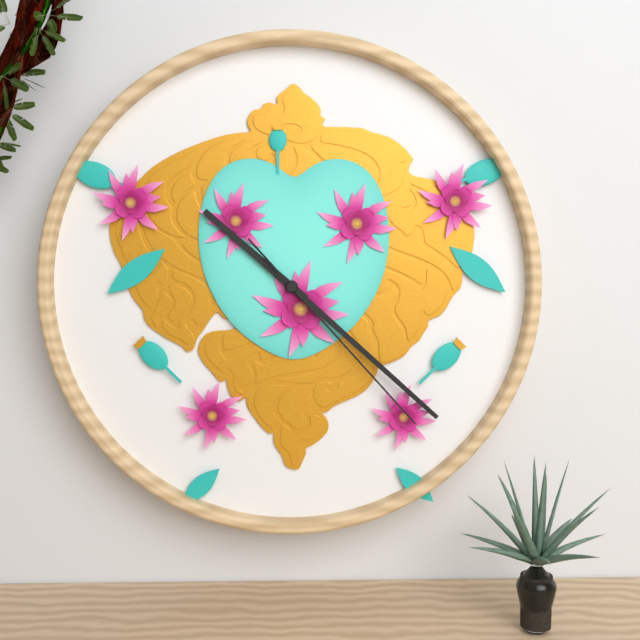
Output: 10h22m23s
